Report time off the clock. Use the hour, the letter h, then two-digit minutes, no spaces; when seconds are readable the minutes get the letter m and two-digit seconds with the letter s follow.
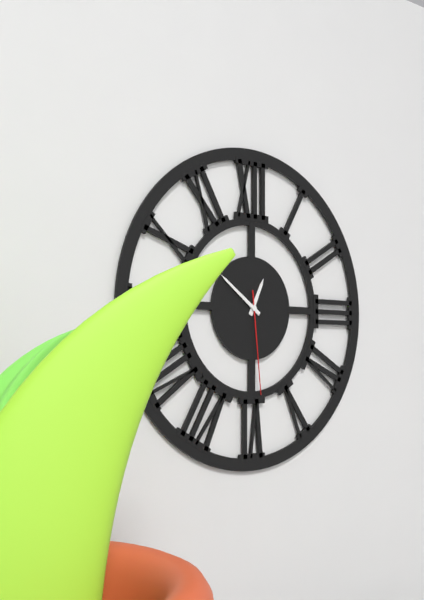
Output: 12h51m29s
